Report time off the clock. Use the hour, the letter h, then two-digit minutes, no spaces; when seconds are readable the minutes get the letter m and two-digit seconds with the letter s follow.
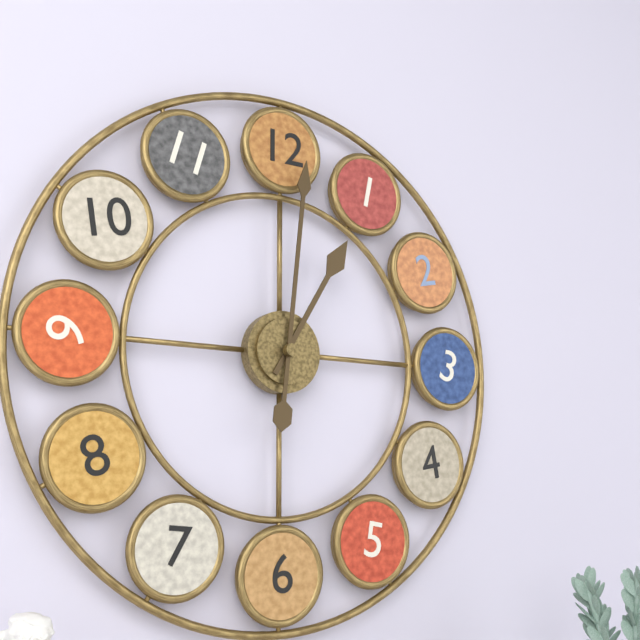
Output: 1h01
